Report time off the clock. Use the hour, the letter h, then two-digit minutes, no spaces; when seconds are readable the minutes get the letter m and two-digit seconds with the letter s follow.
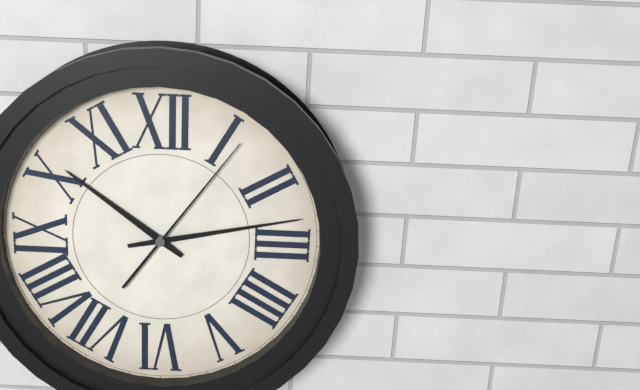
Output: 10h13m06s
